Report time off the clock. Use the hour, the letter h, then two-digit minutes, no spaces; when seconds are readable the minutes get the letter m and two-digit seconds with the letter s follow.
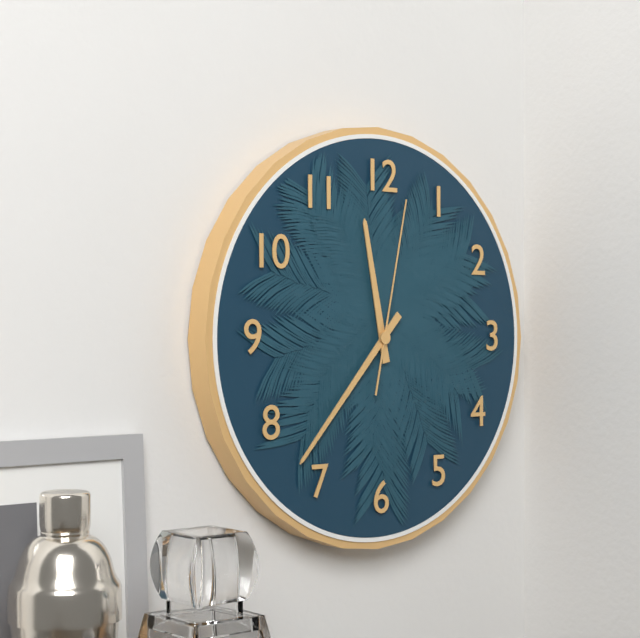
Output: 11h37m02s
